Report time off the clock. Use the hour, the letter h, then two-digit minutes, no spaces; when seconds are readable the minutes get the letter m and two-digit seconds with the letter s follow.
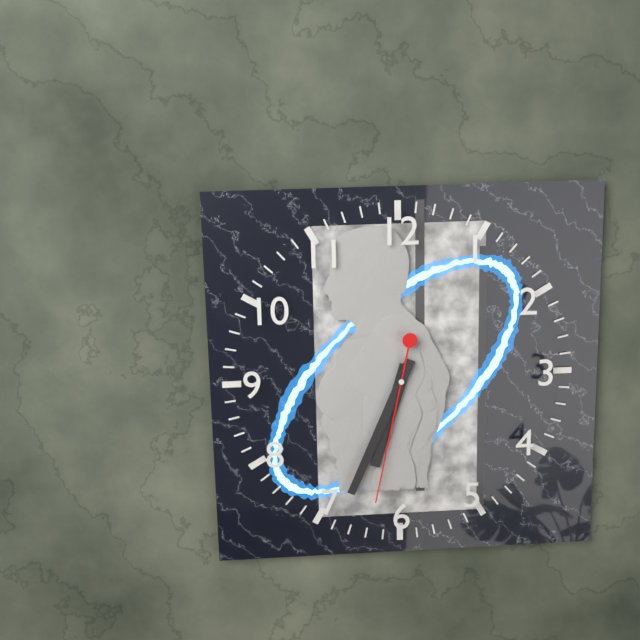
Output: 6h34m32s
